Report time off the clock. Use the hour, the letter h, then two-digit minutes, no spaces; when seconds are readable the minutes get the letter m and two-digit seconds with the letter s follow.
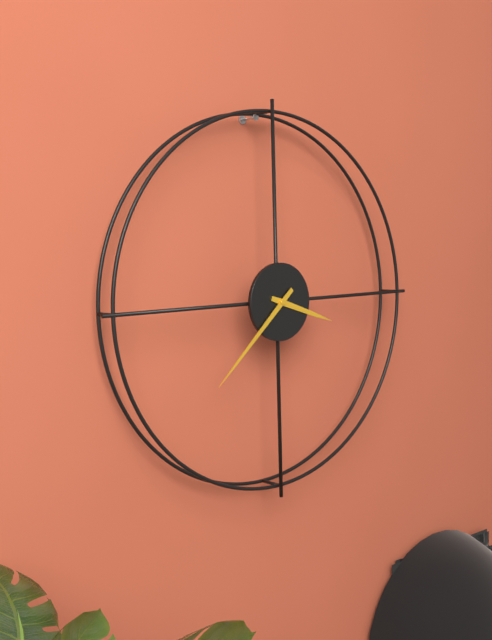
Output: 3h38
